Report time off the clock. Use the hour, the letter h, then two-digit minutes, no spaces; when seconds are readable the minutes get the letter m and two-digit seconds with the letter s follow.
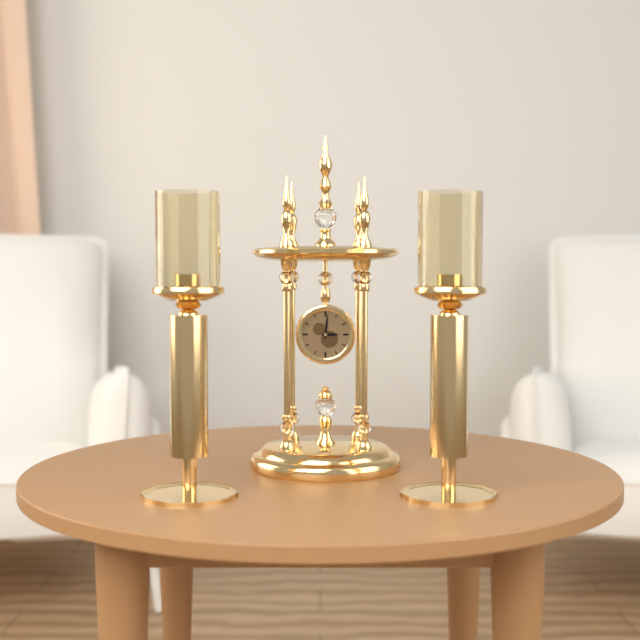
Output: 3h01
